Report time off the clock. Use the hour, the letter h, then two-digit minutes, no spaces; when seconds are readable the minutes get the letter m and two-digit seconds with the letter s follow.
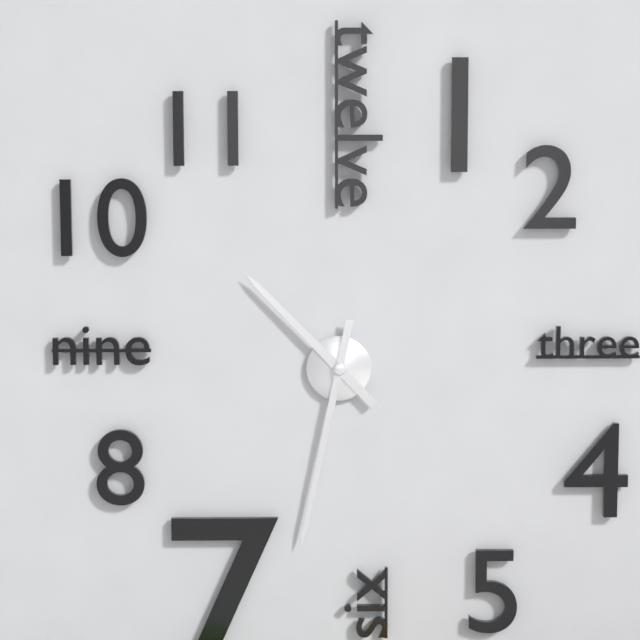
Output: 10h32
